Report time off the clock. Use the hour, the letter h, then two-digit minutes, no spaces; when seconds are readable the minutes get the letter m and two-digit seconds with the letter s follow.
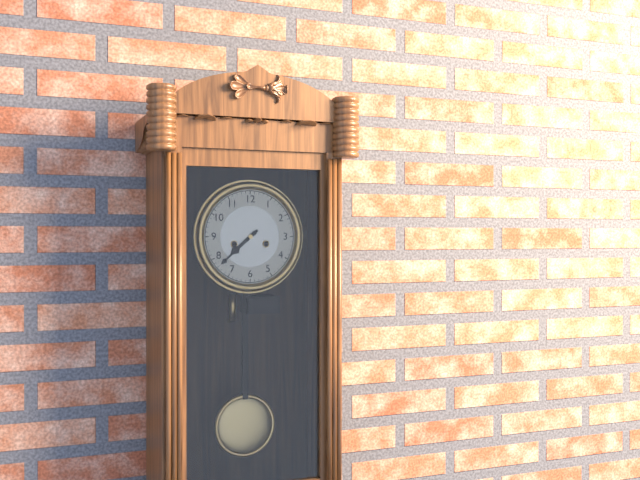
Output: 7h38
